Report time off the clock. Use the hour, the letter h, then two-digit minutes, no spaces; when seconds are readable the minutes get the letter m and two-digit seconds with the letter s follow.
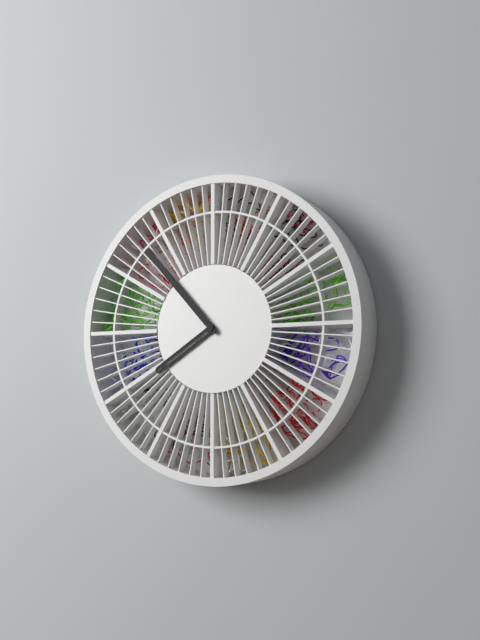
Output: 7h53
